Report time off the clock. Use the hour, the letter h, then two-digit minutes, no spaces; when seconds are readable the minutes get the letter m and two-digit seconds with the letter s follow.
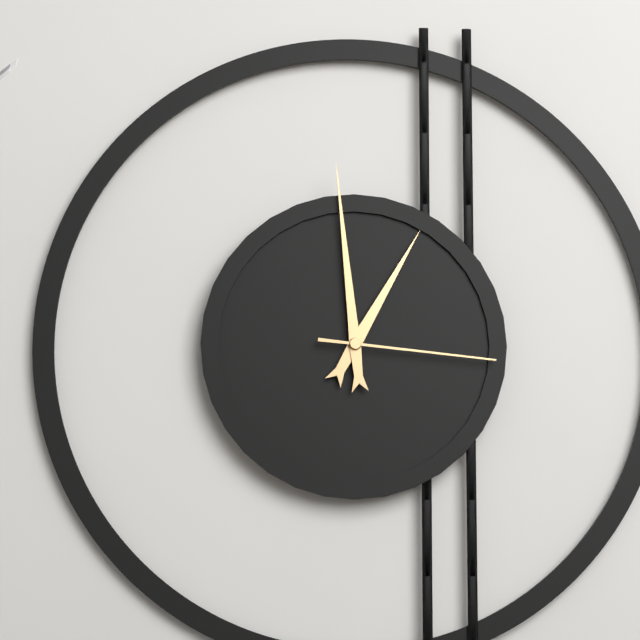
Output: 12h59m16s
